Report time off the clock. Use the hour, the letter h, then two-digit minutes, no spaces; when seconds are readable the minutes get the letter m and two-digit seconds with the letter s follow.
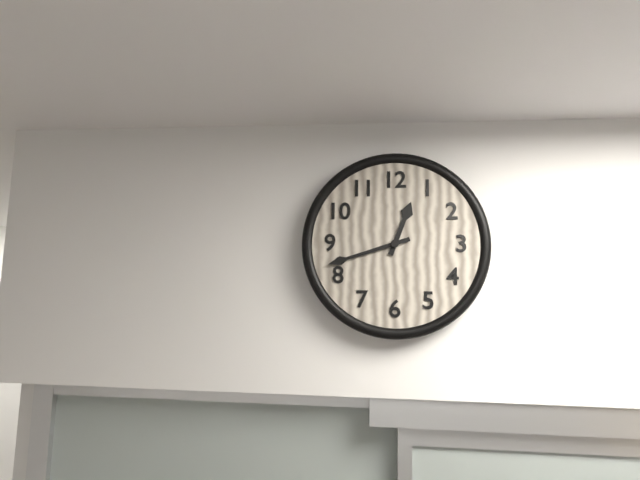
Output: 12h42
